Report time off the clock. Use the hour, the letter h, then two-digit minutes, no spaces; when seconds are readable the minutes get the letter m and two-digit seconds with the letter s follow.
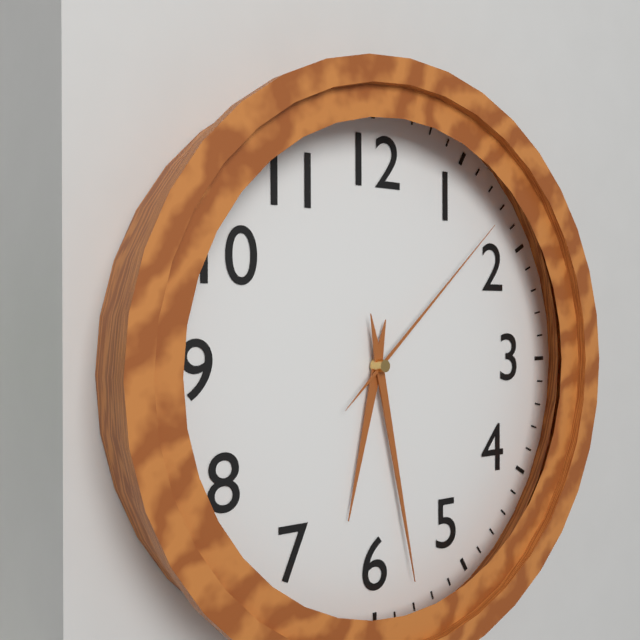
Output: 6h28m08s
